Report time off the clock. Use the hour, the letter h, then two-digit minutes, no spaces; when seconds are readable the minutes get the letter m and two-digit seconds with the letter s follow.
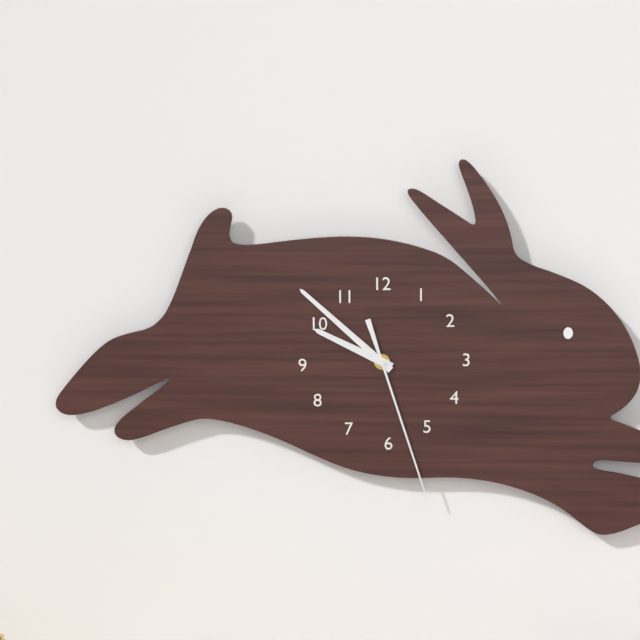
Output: 9h52m27s
